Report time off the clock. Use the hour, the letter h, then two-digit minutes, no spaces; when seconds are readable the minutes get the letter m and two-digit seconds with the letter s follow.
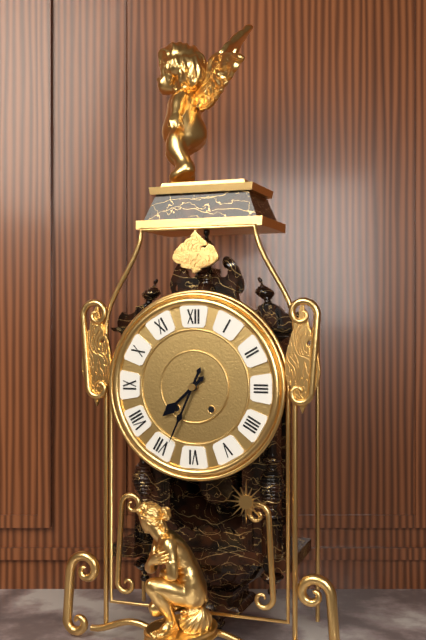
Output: 7h34
